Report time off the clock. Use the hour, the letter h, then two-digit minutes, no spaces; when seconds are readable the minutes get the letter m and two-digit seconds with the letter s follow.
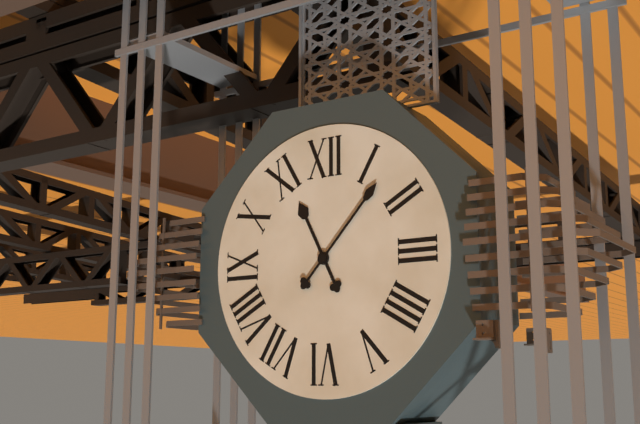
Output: 11h07
